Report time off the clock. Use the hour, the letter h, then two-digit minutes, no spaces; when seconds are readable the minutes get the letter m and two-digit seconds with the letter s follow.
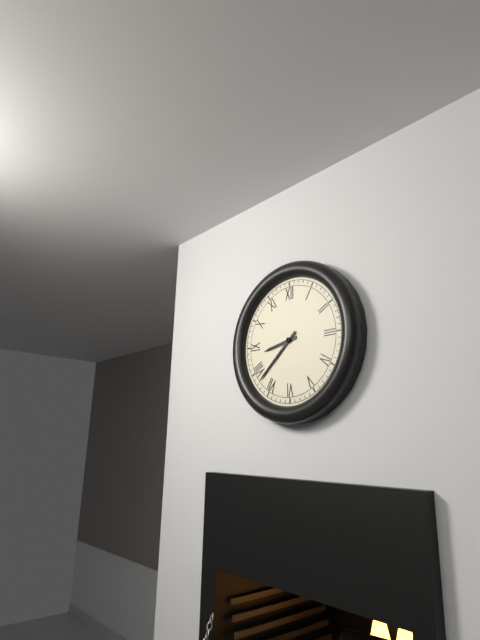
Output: 8h38
